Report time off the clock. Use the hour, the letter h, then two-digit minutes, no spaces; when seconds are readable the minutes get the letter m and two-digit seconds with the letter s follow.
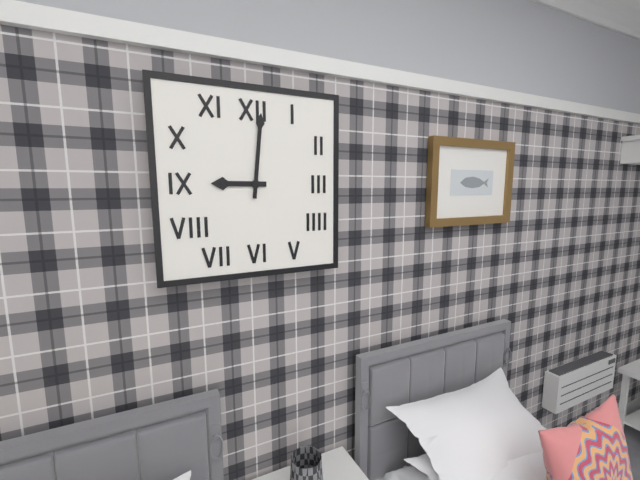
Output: 9h01
